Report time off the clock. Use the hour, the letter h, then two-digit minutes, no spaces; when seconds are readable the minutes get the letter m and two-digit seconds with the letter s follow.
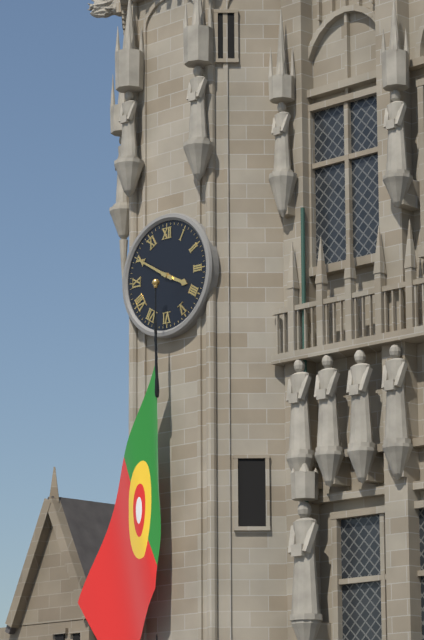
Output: 3h50
